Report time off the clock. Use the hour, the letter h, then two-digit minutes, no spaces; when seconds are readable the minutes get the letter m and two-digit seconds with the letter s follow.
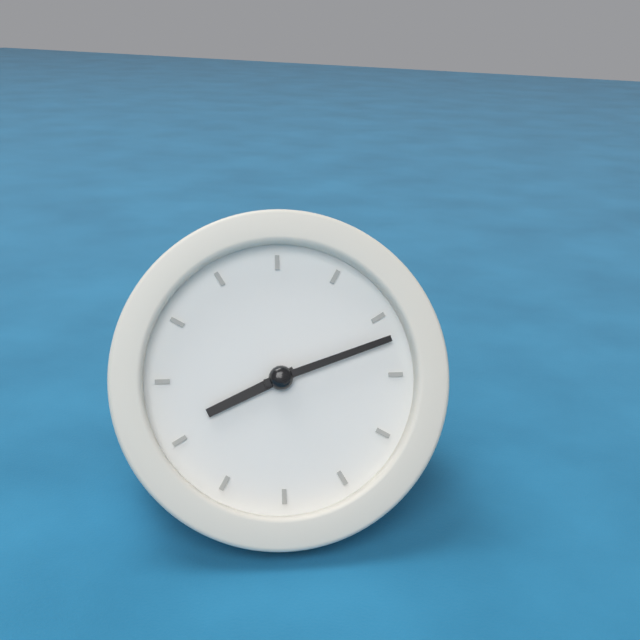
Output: 8h12
